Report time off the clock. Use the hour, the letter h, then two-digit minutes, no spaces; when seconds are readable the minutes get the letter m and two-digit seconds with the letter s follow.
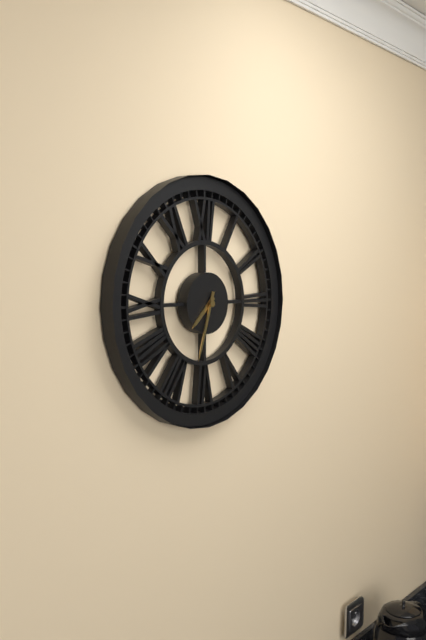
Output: 7h33
